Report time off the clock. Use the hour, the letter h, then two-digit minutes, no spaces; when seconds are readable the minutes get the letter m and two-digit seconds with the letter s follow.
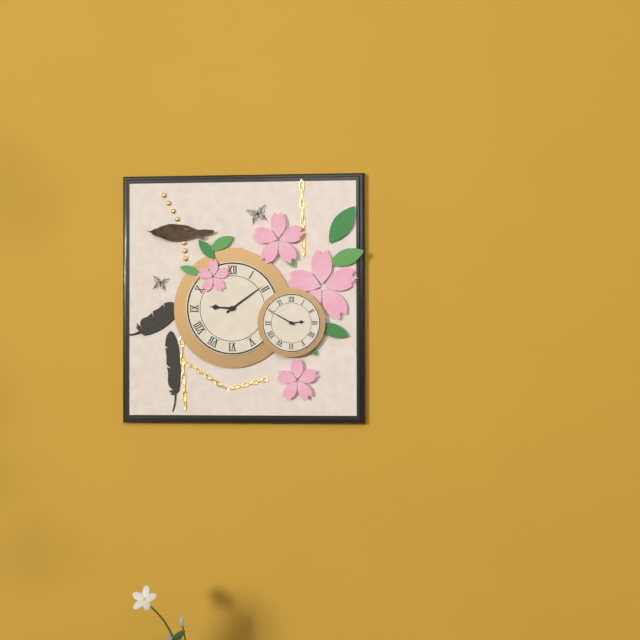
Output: 9h09
